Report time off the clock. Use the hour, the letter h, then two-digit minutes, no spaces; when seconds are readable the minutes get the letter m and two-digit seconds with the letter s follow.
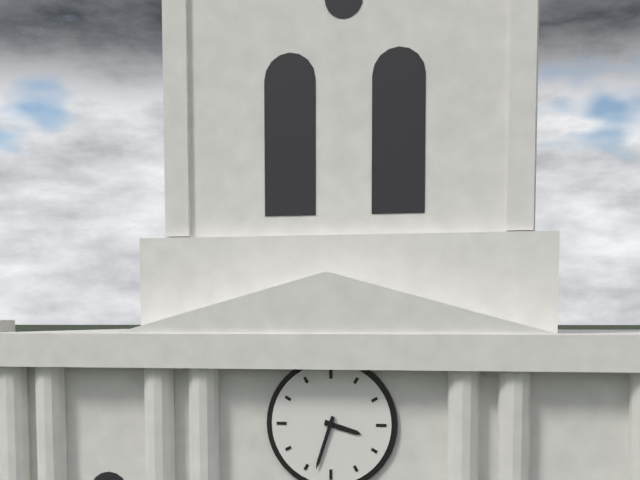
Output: 3h33
